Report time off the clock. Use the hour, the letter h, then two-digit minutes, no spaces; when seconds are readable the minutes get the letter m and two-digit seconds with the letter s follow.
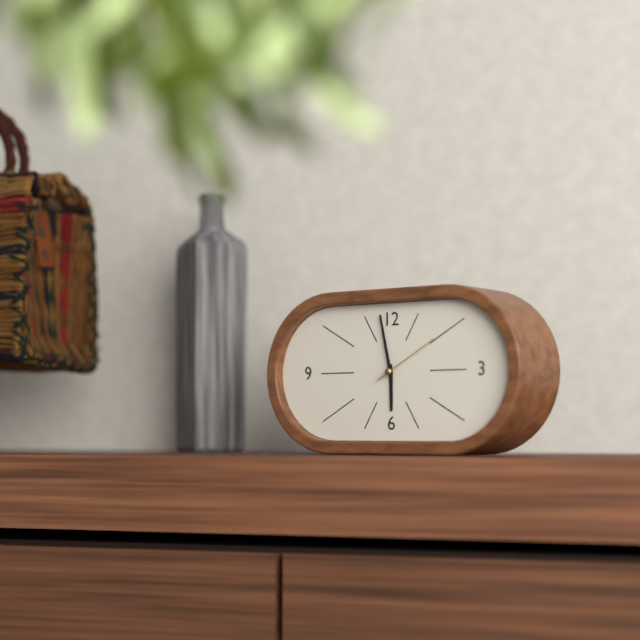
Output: 5h58m10s
